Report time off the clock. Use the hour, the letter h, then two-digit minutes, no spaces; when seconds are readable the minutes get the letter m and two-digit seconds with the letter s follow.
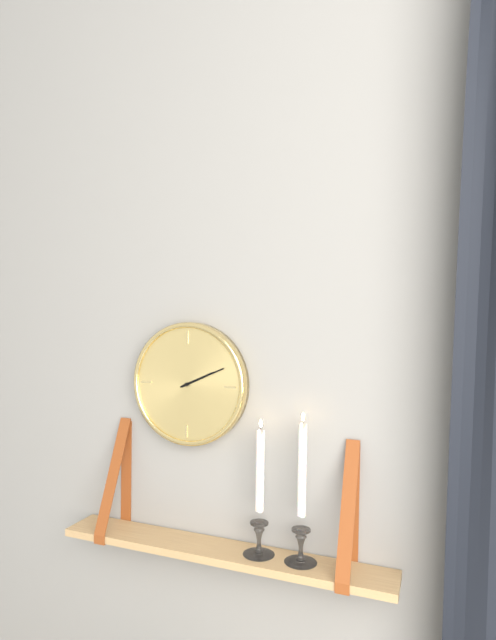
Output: 2h11
